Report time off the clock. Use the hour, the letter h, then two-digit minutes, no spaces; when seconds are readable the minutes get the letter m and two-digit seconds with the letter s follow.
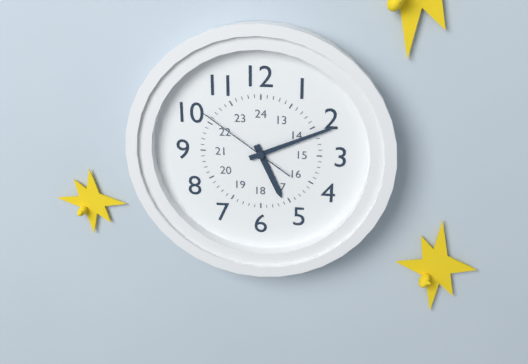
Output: 5h11m51s
